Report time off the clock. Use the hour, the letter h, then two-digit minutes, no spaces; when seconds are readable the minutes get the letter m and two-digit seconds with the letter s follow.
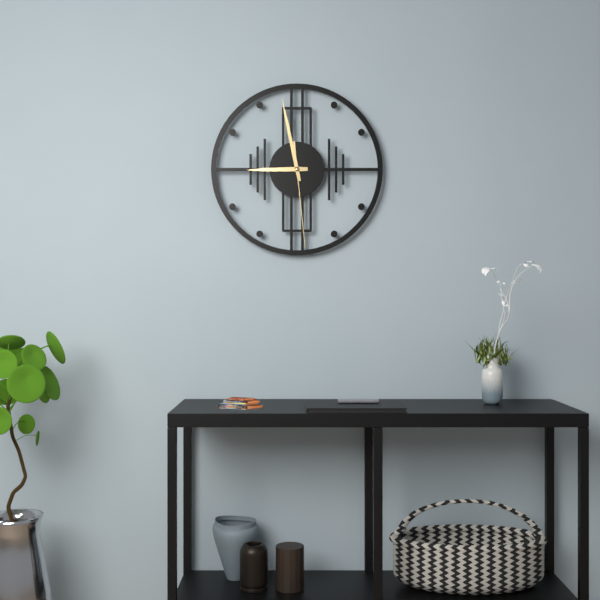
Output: 8h58m29s
